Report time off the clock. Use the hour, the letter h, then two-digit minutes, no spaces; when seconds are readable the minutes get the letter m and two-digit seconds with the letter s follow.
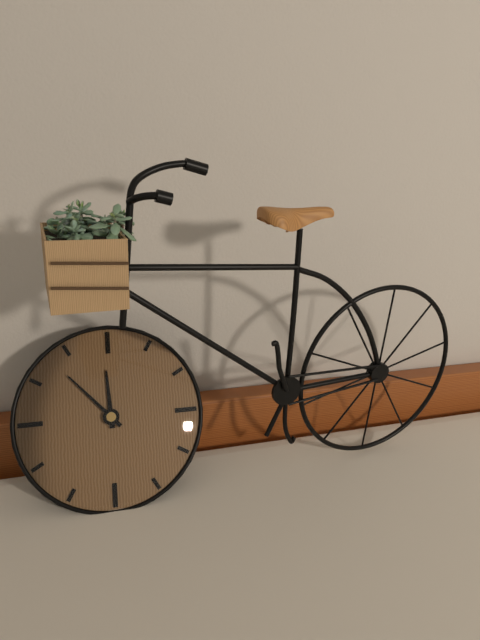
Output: 11h53
